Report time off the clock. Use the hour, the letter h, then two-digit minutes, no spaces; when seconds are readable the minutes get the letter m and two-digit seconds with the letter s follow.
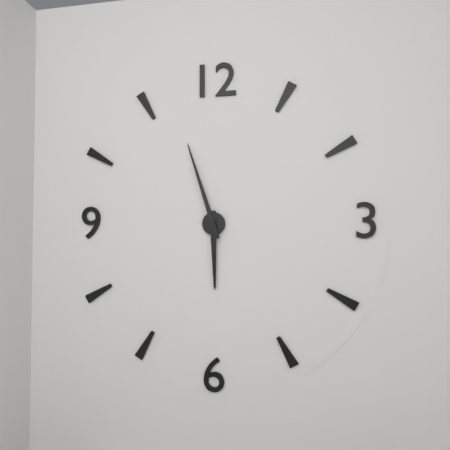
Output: 5h57
